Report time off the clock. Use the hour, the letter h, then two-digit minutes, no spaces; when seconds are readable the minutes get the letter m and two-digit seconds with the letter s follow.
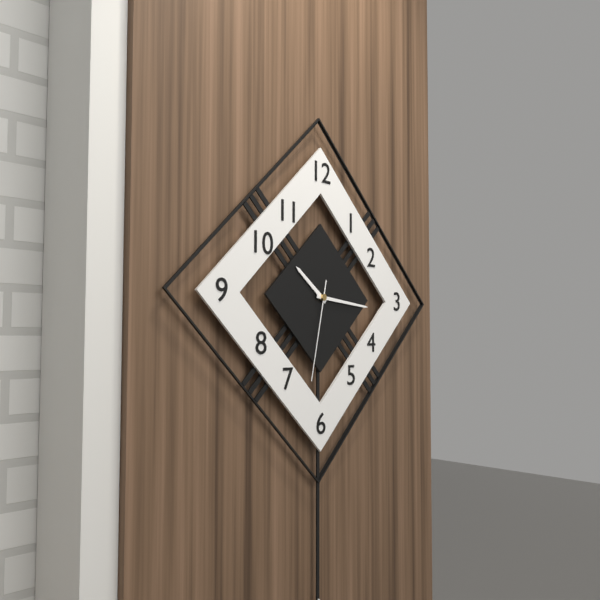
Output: 10h16m32s
